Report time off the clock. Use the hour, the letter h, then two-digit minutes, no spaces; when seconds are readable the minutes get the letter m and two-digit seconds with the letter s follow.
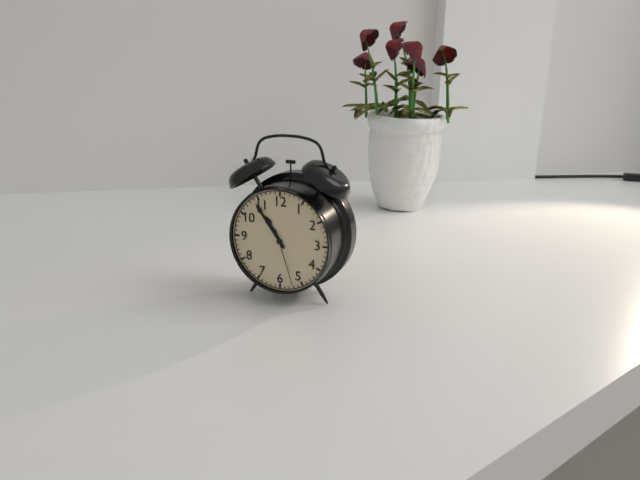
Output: 10h54m27s
